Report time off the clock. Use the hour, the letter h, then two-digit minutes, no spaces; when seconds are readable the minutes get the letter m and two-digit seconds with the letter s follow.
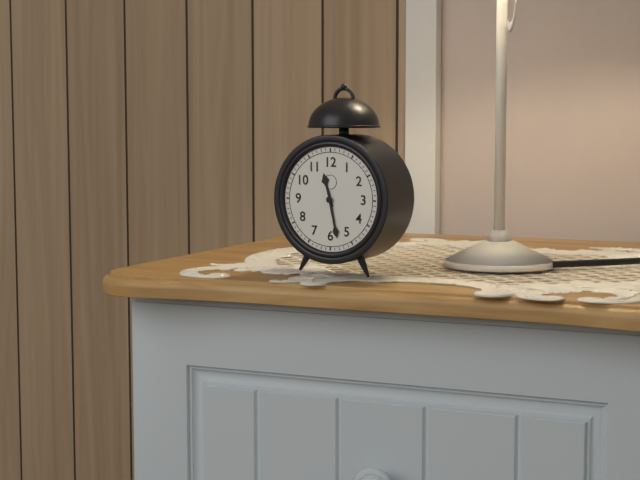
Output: 11h28
